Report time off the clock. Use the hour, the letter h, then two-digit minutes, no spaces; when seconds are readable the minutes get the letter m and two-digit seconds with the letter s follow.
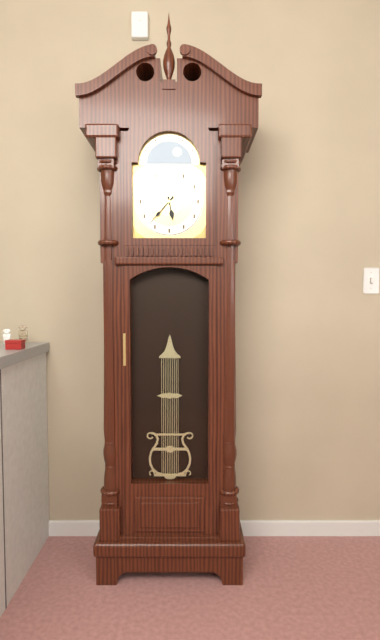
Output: 5h37
